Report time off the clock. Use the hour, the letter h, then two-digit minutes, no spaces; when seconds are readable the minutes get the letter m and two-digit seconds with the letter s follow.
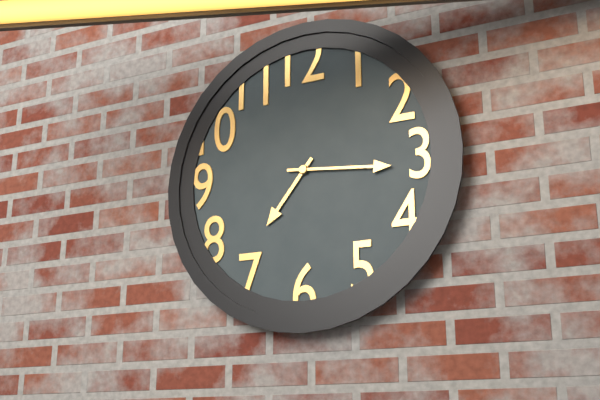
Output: 7h16
